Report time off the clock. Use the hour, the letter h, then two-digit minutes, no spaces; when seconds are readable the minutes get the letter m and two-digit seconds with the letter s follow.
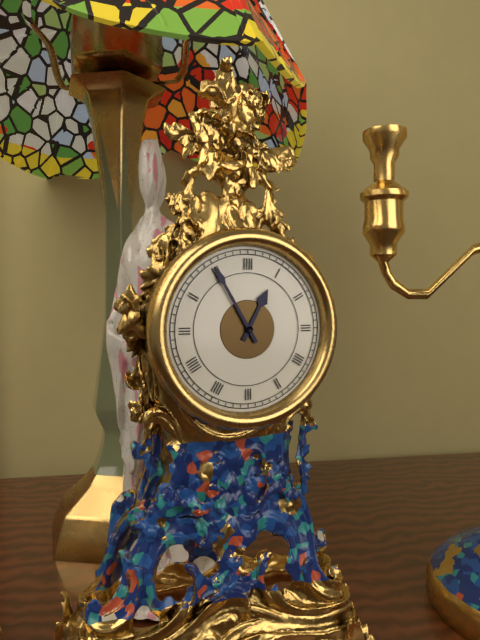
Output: 12h55
